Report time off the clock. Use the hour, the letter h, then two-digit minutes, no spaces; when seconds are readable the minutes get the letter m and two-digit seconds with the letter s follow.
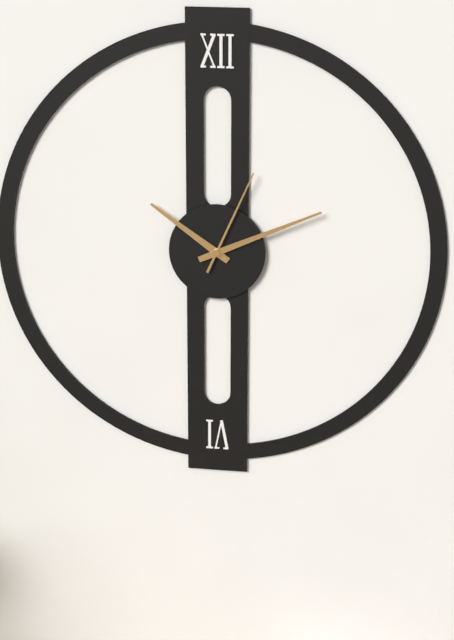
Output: 10h11m04s
